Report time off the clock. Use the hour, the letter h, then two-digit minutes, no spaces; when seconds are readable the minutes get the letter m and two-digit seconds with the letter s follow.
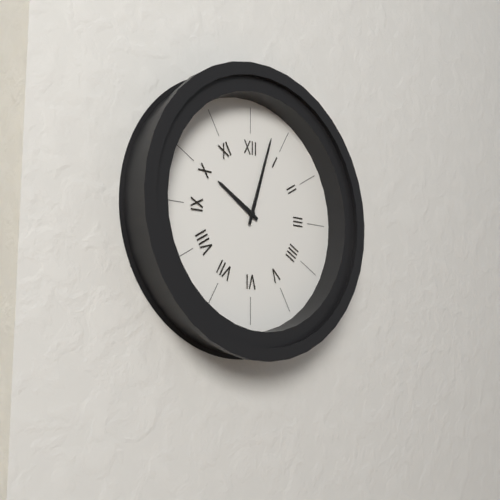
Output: 10h03
